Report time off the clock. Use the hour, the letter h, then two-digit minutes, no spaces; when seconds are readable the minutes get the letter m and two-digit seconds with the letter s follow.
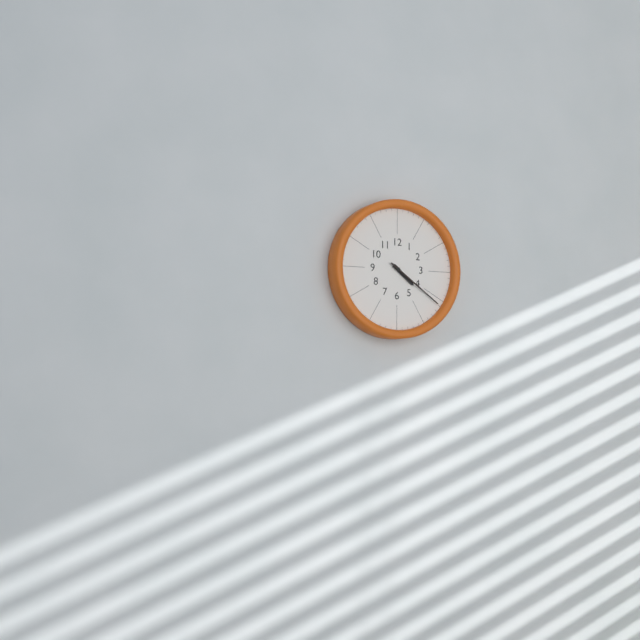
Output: 4h21
